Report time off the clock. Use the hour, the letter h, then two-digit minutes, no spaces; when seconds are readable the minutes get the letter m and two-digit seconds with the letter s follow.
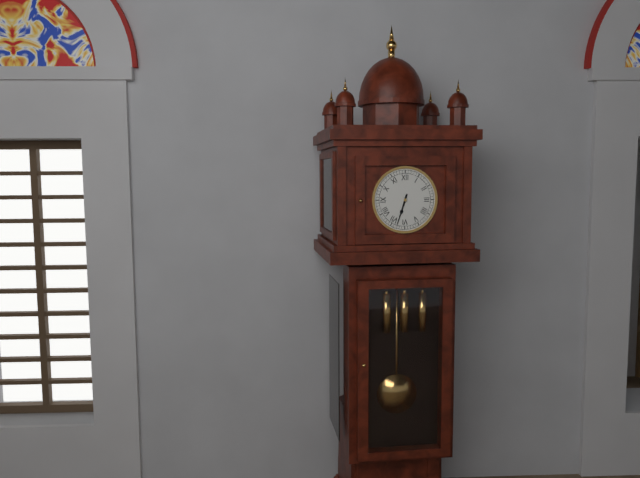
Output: 6h33
